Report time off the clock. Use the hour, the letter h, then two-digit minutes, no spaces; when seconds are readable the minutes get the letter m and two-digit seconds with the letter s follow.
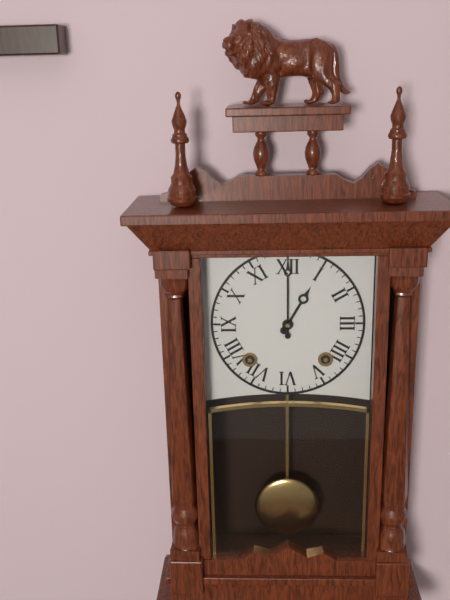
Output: 1h00
